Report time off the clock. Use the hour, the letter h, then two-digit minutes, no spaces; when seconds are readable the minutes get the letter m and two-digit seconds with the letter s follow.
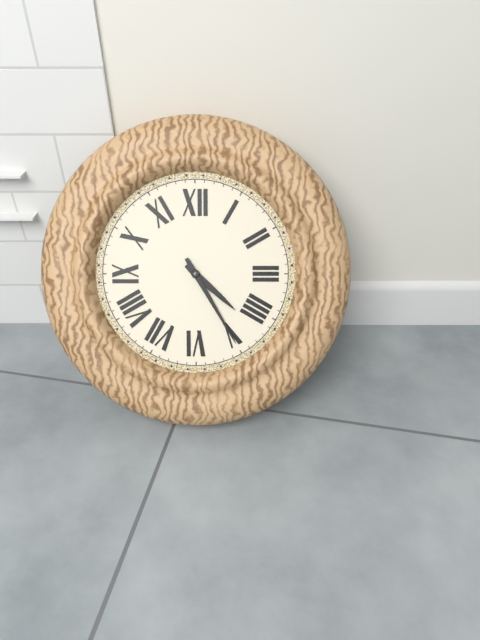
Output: 4h25
